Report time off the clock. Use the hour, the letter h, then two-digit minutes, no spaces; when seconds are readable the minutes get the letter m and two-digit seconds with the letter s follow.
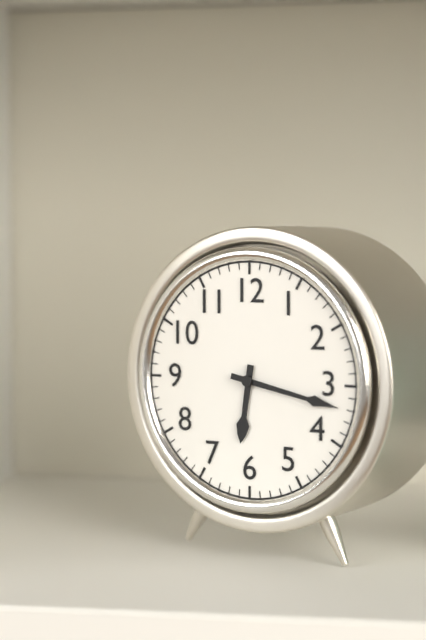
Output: 6h17
